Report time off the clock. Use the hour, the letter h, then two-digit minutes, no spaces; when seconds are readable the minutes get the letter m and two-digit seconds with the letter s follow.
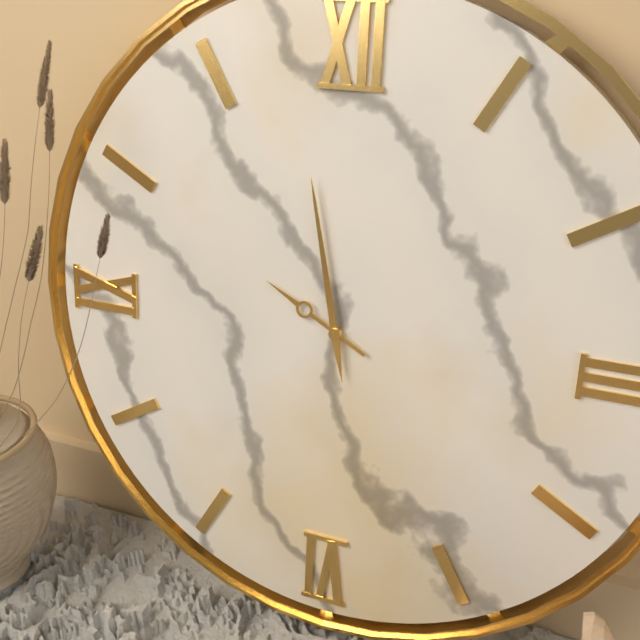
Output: 9h58
